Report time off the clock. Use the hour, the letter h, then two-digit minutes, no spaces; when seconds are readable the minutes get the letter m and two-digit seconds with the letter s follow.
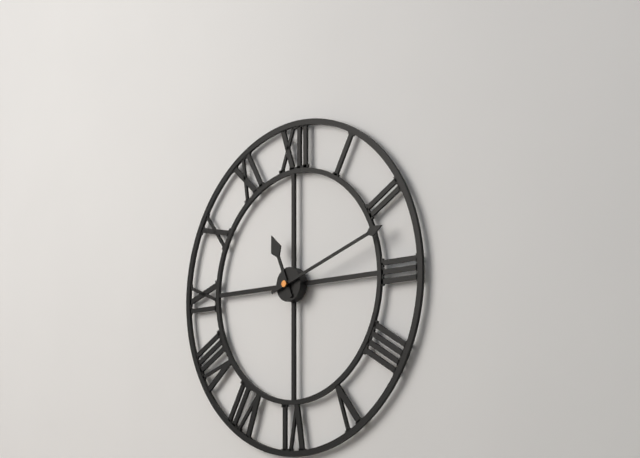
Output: 11h12
